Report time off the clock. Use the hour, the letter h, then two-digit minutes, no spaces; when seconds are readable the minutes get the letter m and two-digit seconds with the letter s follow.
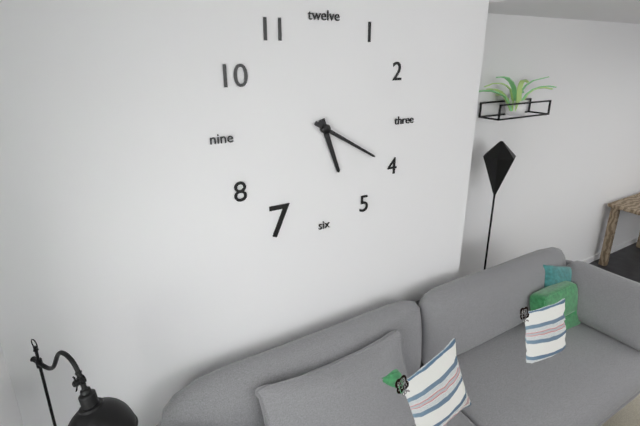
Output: 5h20
